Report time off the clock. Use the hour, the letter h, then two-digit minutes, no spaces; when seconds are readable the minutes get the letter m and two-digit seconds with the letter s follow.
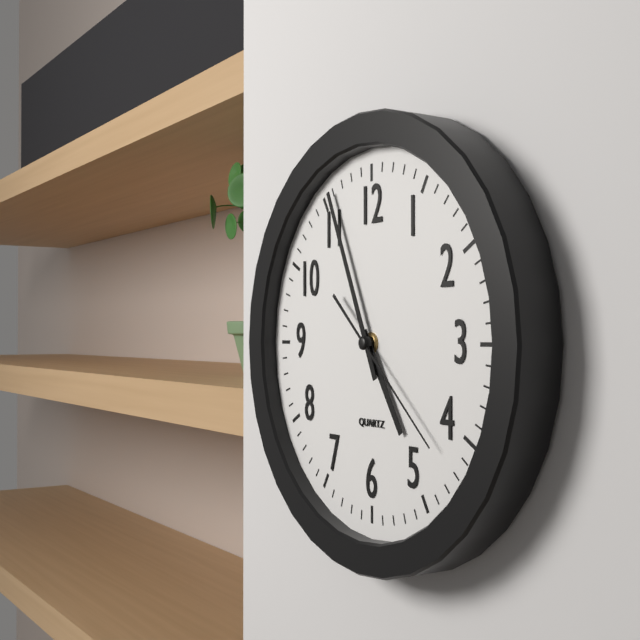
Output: 4h56m22s
